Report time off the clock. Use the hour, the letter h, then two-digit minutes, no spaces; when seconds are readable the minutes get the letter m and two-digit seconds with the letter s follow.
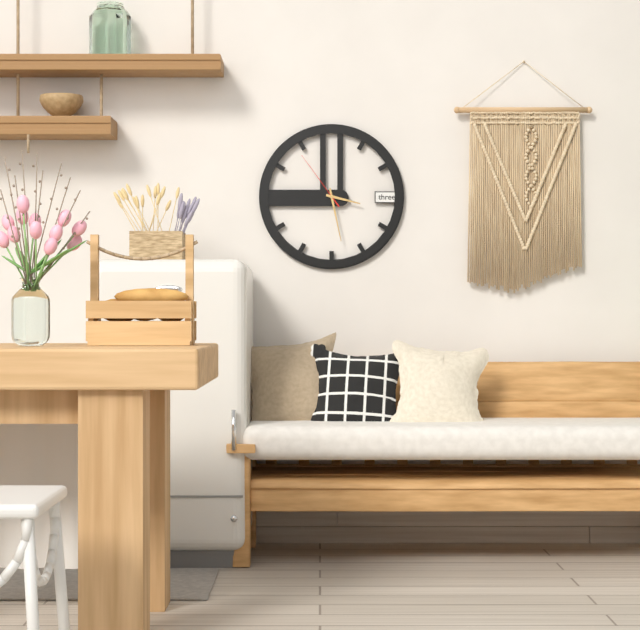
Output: 3h28m54s
